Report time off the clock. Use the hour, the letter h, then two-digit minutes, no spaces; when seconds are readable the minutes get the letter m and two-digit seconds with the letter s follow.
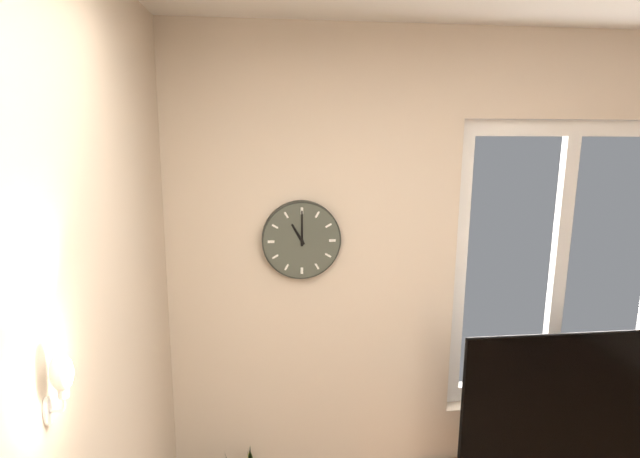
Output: 11h00
